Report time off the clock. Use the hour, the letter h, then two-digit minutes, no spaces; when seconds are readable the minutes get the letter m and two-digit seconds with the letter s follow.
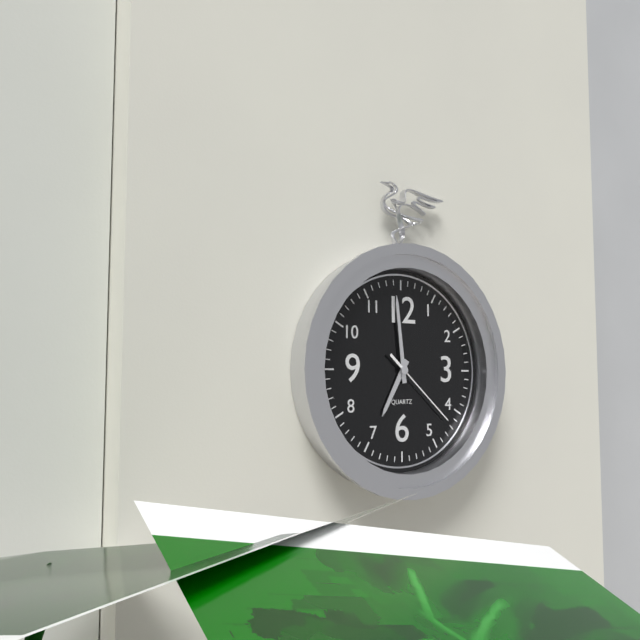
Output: 6h59m22s
